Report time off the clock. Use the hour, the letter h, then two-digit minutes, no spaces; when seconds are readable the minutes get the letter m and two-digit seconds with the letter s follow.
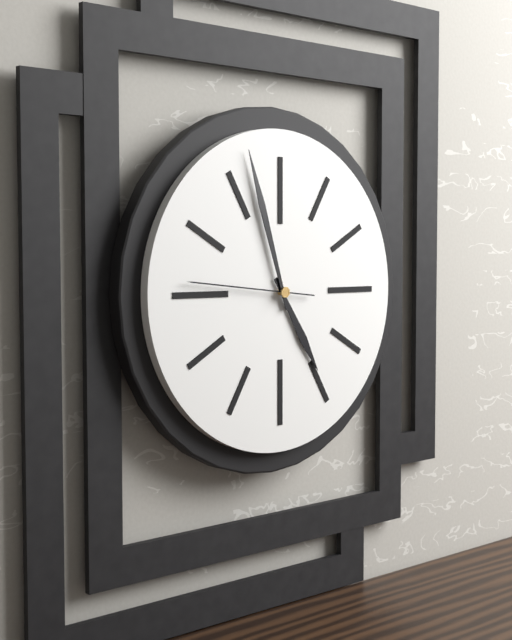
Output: 4h57m46s
